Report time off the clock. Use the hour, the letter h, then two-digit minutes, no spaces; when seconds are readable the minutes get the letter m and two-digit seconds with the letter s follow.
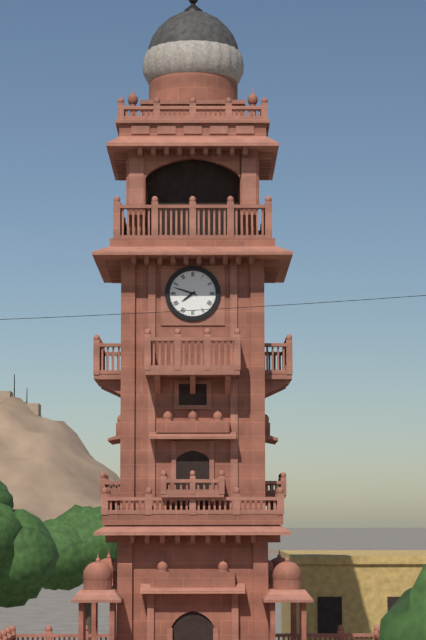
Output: 7h48
